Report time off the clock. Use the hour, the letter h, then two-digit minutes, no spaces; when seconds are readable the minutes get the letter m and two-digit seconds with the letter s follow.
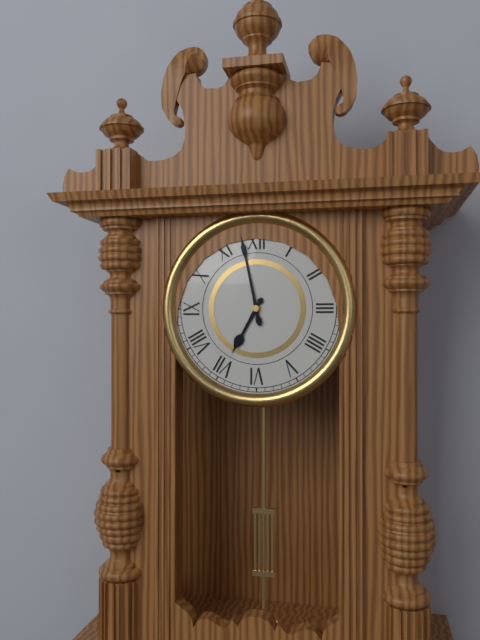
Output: 6h58
